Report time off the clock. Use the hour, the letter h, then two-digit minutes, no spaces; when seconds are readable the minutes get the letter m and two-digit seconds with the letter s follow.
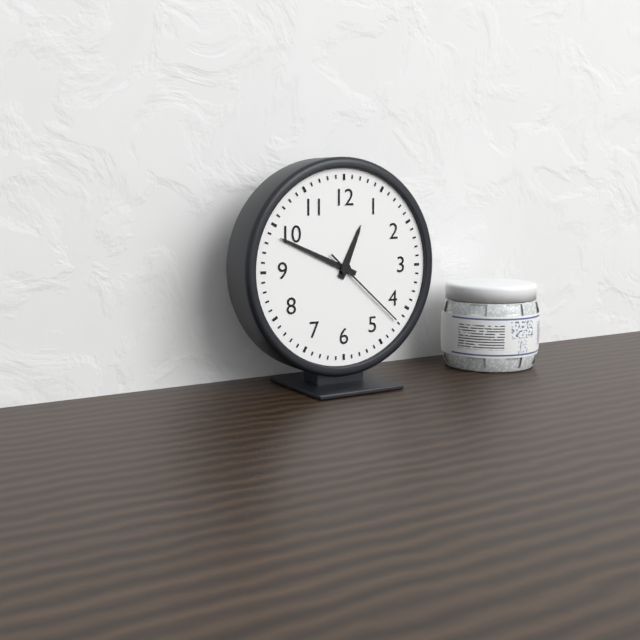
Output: 12h49m22s
